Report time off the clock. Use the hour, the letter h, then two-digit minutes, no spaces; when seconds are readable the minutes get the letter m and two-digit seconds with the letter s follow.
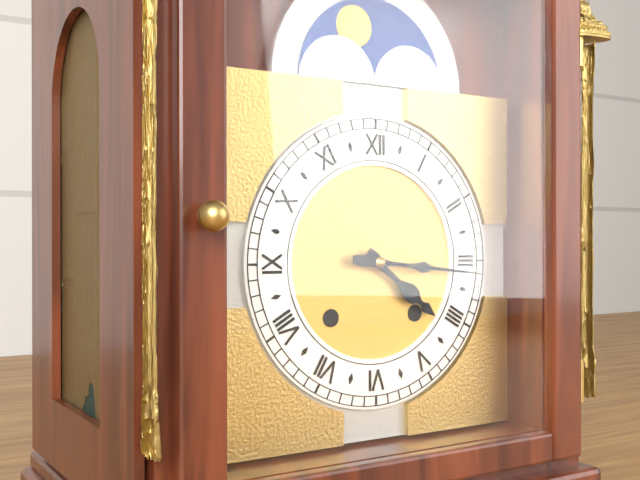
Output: 4h16
